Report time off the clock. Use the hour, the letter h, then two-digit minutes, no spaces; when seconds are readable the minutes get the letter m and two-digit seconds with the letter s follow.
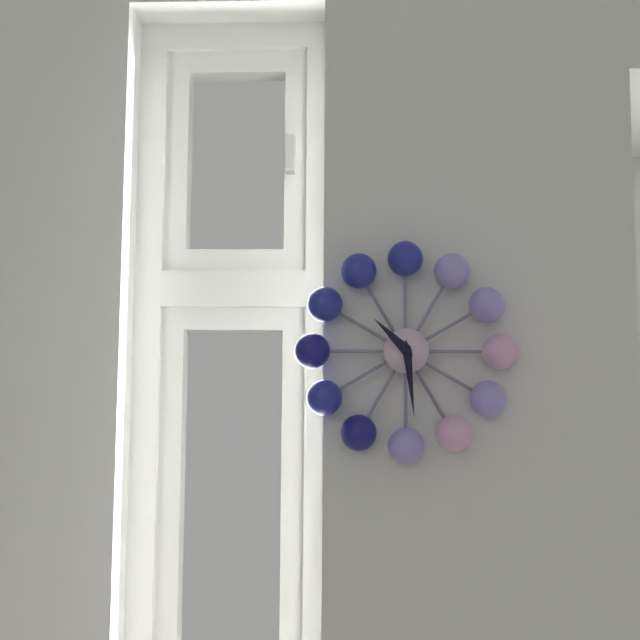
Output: 10h29
